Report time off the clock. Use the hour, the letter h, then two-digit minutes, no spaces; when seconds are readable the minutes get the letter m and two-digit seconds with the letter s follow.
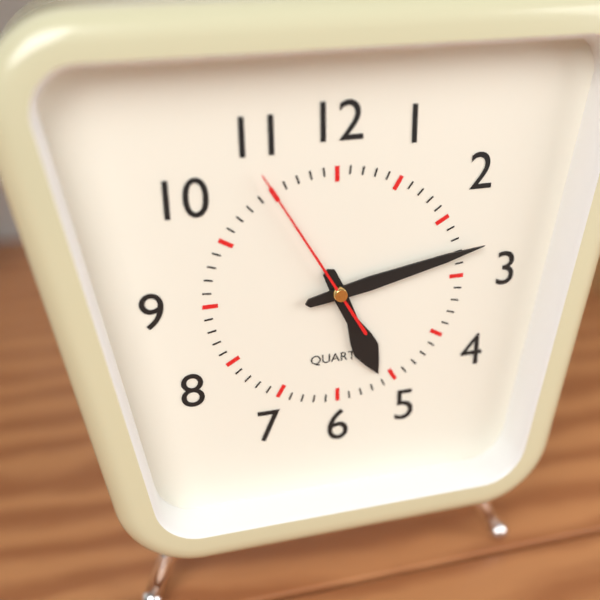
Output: 5h13m55s
